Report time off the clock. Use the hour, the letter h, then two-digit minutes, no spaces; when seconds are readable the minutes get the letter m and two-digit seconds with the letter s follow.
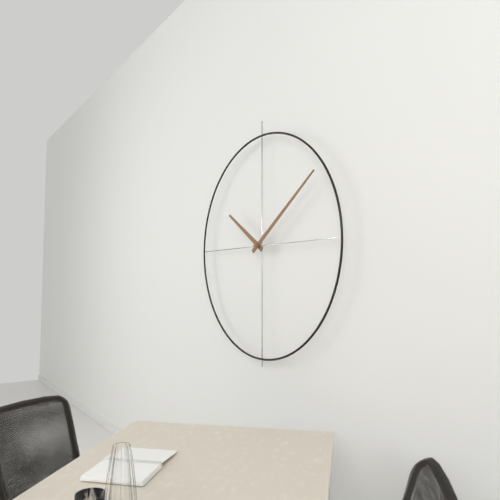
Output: 10h09
